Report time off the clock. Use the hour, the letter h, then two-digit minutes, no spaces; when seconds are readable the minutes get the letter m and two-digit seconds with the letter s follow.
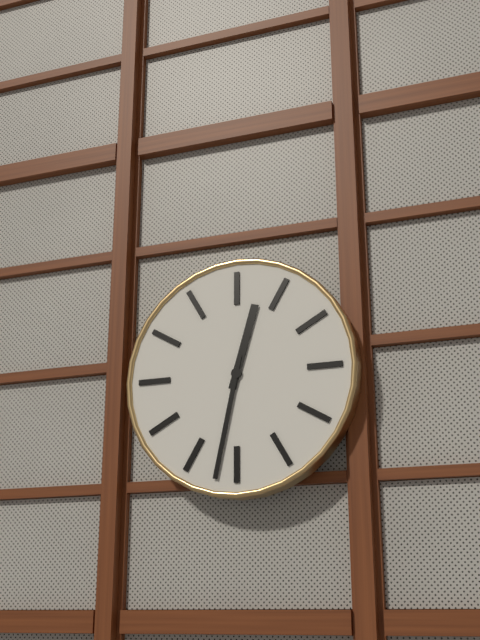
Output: 12h32
